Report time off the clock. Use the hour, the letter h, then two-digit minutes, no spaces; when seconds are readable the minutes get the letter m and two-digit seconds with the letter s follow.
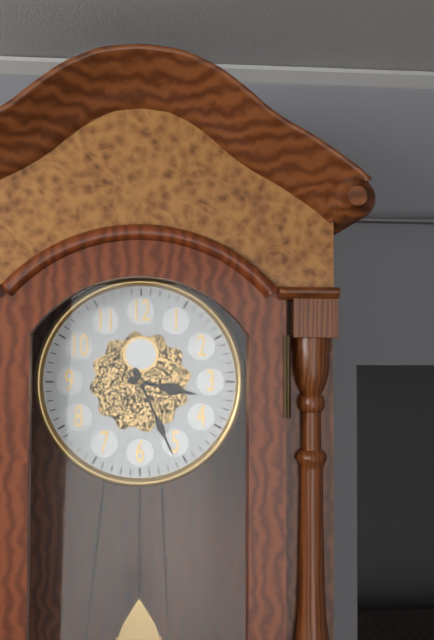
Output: 3h26
